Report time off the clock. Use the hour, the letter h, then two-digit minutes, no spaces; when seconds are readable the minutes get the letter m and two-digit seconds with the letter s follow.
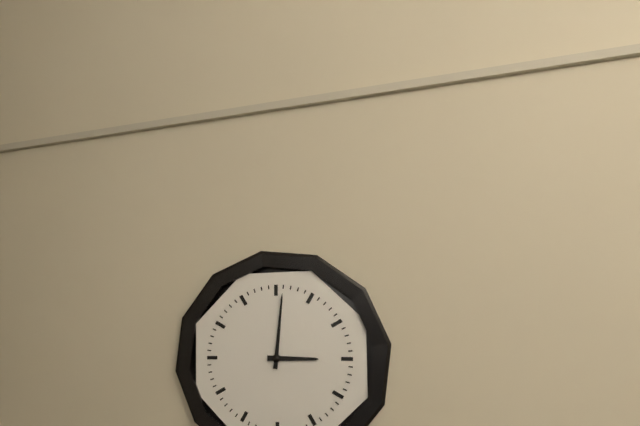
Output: 3h01
